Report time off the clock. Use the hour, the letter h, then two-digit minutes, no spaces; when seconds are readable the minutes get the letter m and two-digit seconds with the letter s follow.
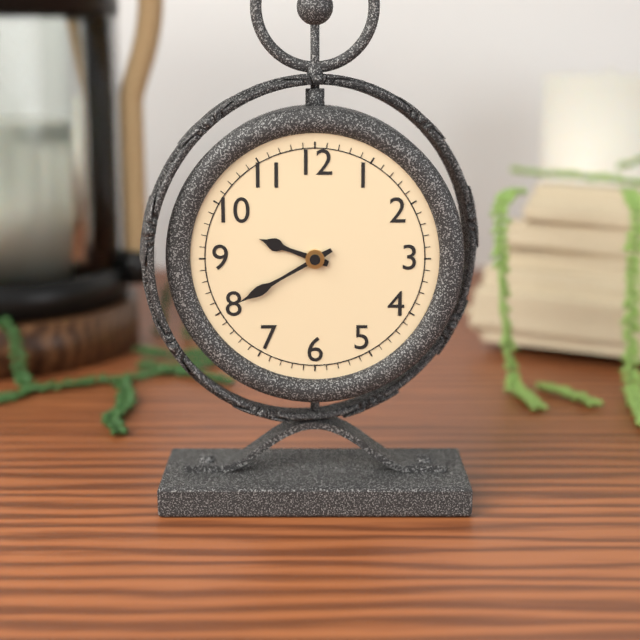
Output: 9h40
